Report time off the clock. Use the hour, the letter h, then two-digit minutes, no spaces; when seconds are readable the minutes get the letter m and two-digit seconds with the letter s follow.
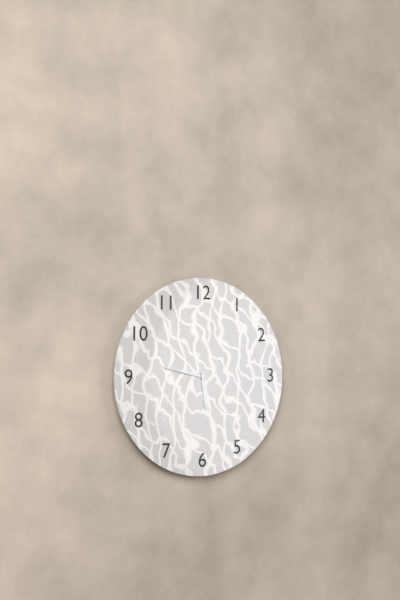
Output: 5h47
